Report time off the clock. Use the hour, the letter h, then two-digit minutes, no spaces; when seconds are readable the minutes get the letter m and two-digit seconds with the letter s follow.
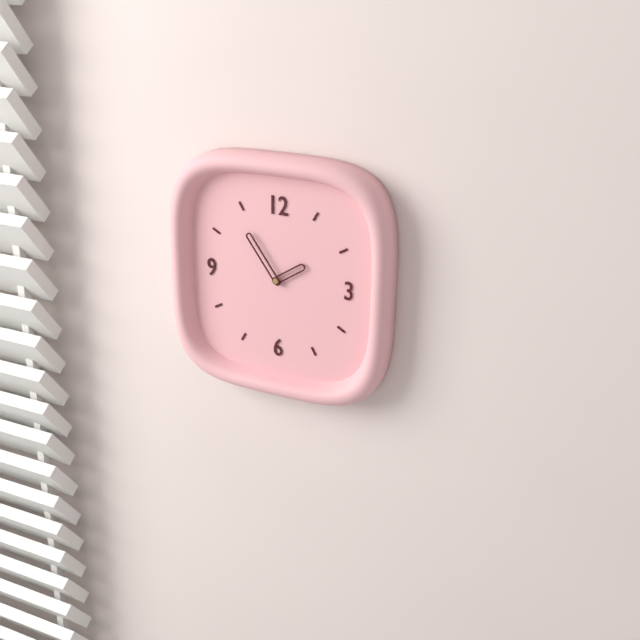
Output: 1h54
